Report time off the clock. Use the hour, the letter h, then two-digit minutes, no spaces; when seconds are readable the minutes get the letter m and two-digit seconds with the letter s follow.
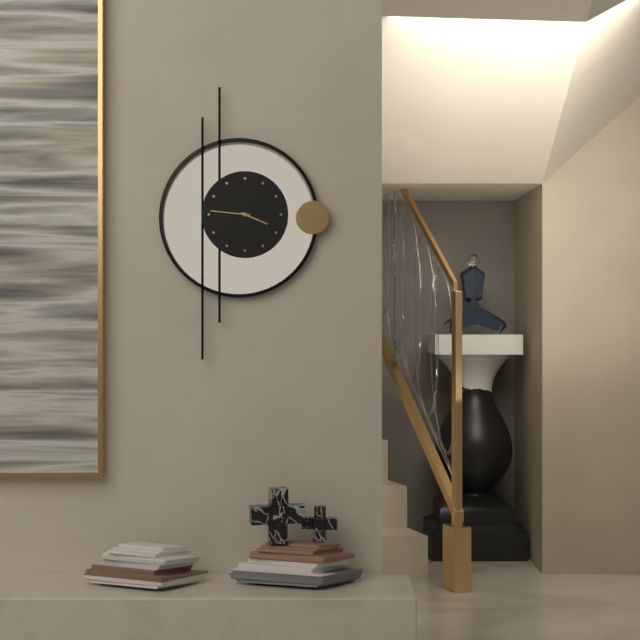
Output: 3h46
